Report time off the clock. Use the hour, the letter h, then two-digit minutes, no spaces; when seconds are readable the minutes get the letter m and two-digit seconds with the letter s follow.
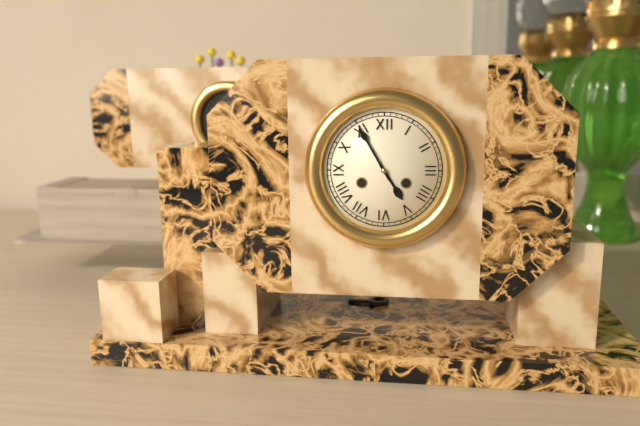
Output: 4h55
